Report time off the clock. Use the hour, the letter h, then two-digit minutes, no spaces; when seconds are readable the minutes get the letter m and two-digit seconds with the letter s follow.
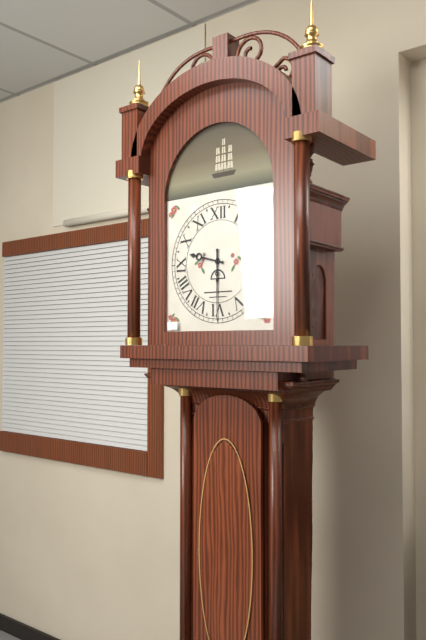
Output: 9h30
